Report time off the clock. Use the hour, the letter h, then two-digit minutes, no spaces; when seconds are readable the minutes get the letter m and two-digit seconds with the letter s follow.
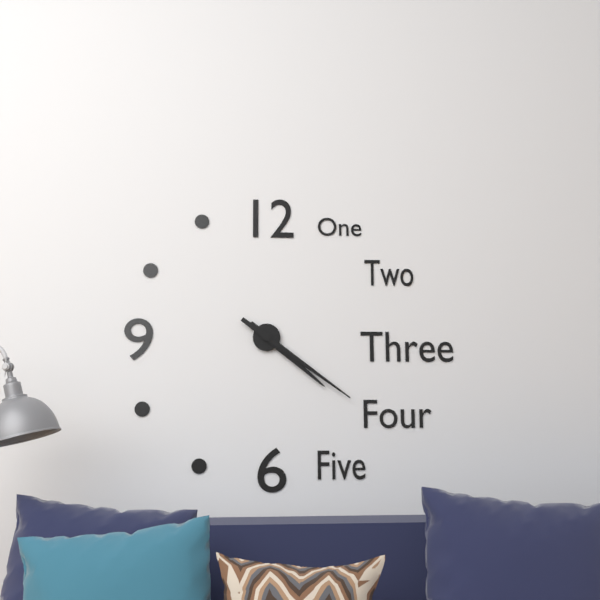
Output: 4h21
